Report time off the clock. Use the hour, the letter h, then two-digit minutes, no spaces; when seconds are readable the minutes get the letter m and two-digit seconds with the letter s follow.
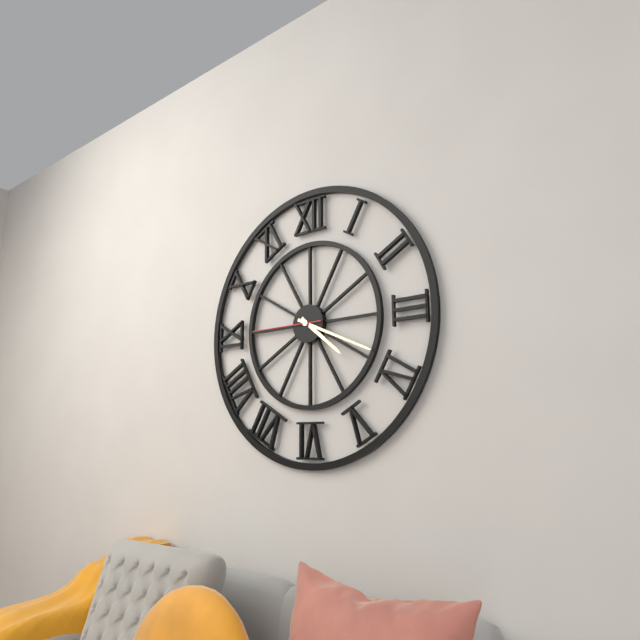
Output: 4h19m45s
